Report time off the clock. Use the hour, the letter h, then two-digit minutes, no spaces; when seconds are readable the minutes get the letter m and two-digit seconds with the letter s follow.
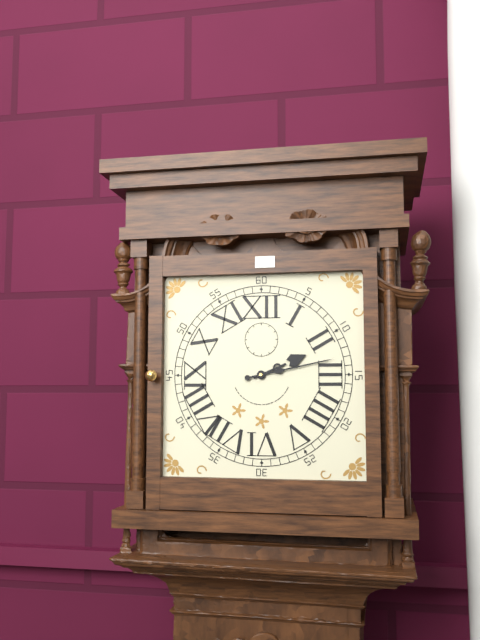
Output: 2h13
